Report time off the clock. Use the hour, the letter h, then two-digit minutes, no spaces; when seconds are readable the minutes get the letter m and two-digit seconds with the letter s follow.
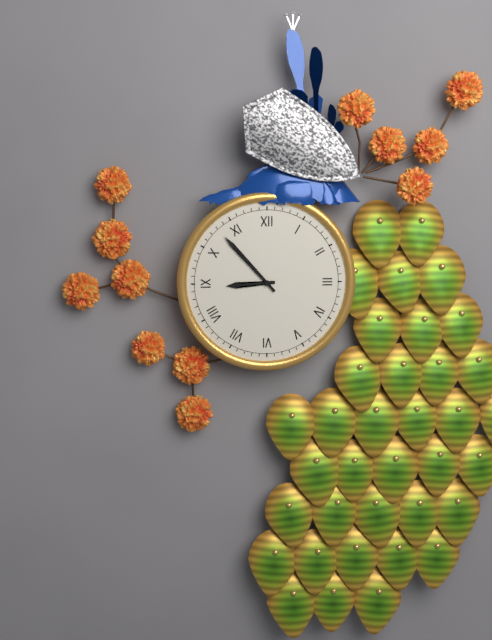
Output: 8h53
